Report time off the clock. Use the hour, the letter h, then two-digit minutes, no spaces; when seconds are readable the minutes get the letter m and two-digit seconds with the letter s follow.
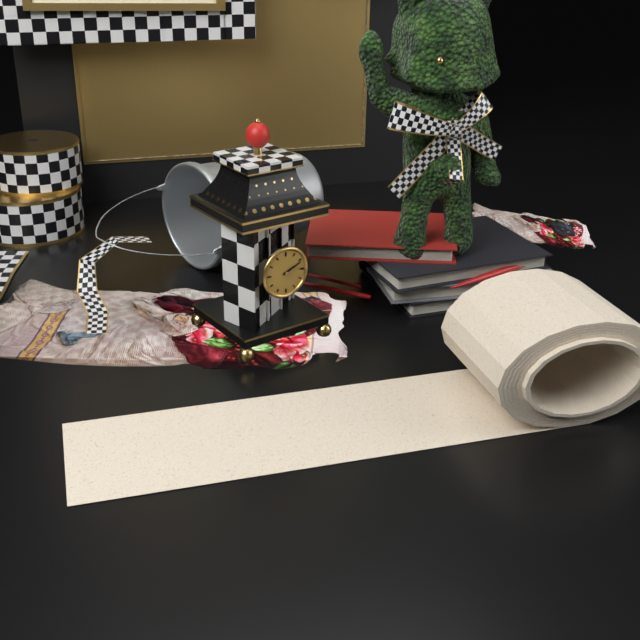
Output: 2h11
